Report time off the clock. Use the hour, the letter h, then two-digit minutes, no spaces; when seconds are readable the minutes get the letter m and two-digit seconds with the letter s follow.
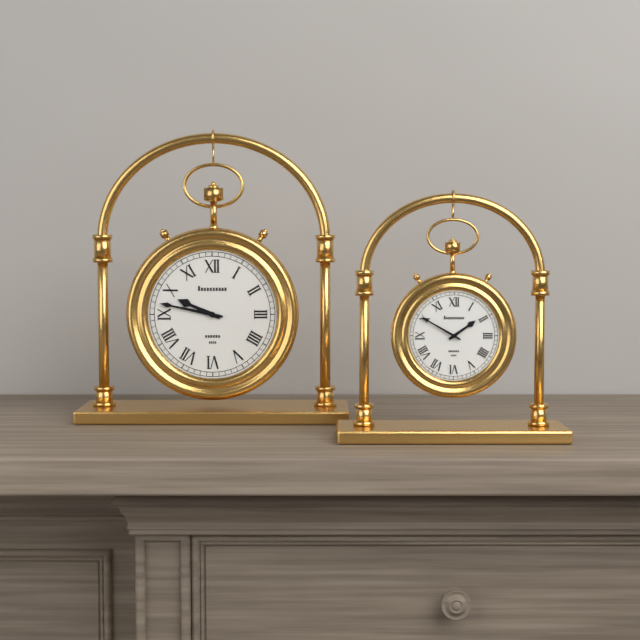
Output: 9h47
